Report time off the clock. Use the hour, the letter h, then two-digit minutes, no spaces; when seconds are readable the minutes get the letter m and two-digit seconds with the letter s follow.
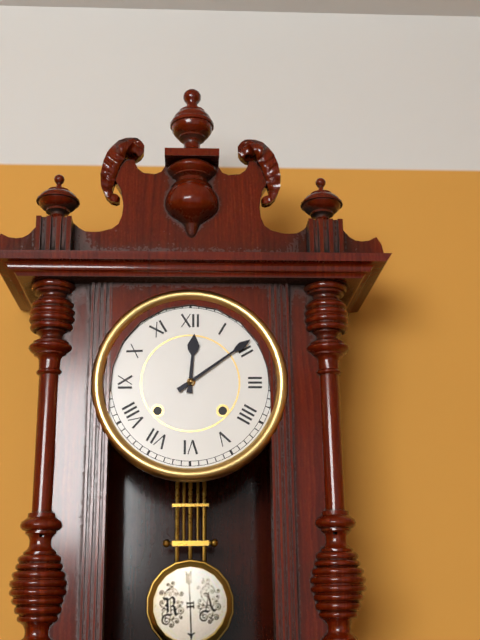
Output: 12h09
